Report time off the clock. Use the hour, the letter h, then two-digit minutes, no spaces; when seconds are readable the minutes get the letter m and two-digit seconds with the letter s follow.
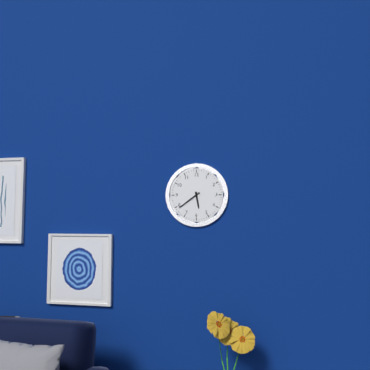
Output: 5h39
